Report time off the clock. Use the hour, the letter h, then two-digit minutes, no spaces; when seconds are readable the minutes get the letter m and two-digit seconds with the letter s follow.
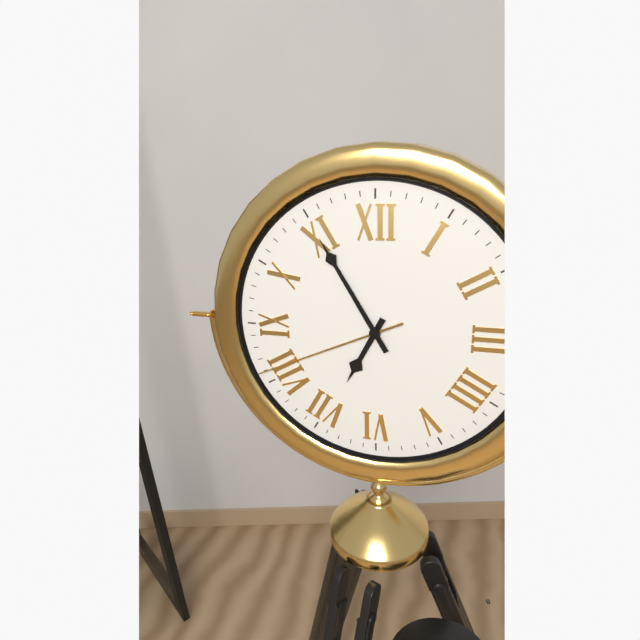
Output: 6h55m41s
